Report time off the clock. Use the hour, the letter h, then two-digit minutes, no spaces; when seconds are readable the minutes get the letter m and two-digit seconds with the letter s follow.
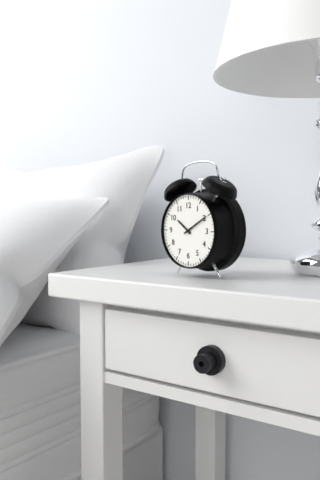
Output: 10h10
